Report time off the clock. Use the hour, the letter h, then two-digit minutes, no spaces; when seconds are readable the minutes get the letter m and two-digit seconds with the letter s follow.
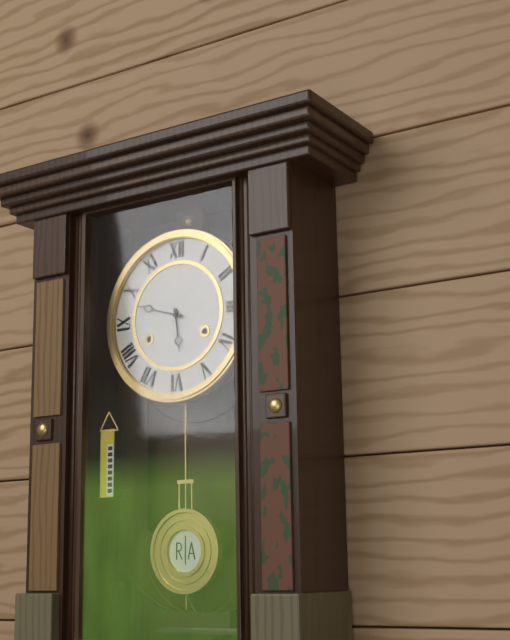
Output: 5h48
